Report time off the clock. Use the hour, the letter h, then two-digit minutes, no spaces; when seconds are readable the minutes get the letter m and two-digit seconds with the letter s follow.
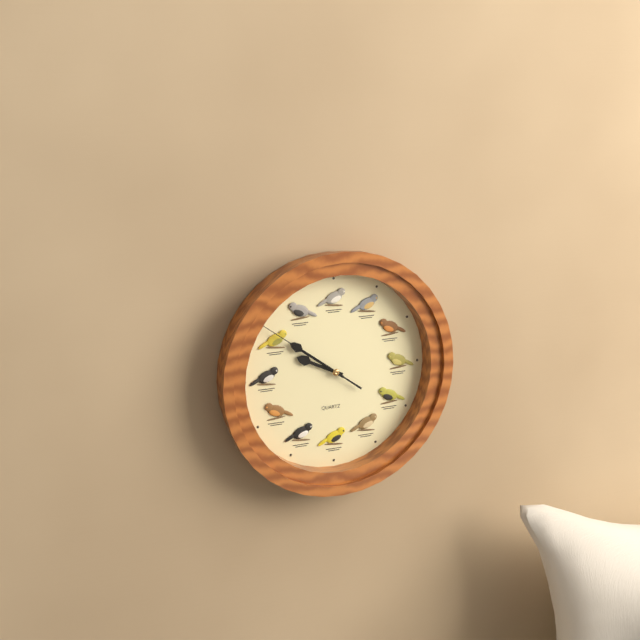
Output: 9h51m51s
